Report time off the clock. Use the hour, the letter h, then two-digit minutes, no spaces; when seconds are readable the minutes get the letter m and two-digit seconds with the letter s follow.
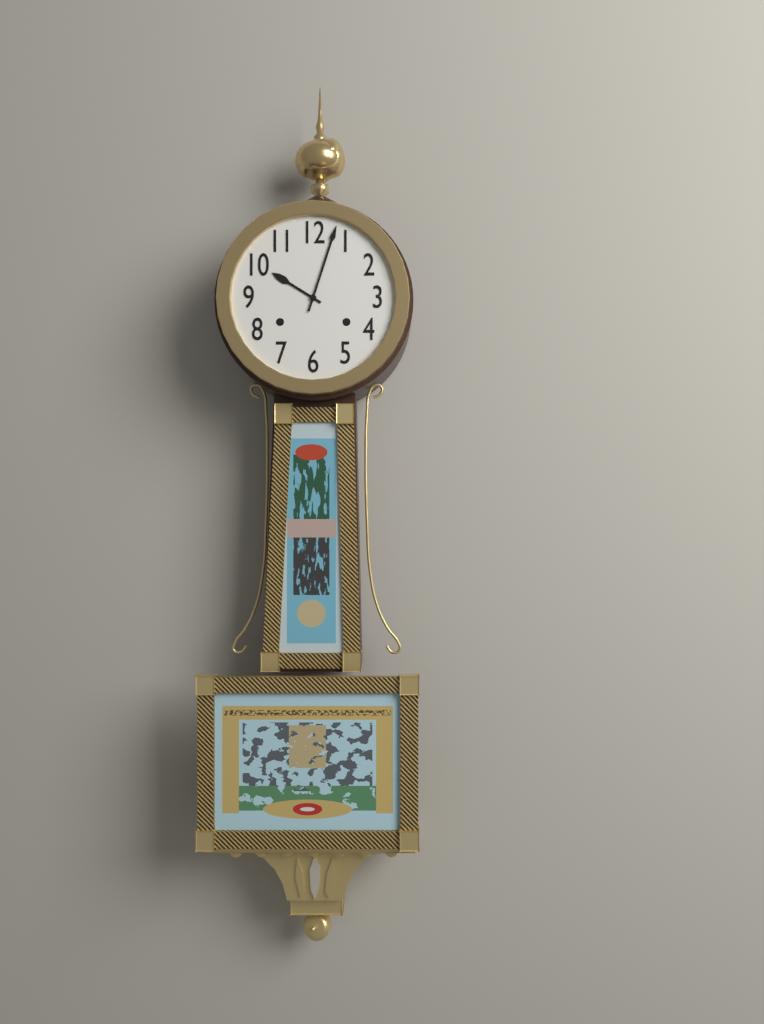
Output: 10h03
